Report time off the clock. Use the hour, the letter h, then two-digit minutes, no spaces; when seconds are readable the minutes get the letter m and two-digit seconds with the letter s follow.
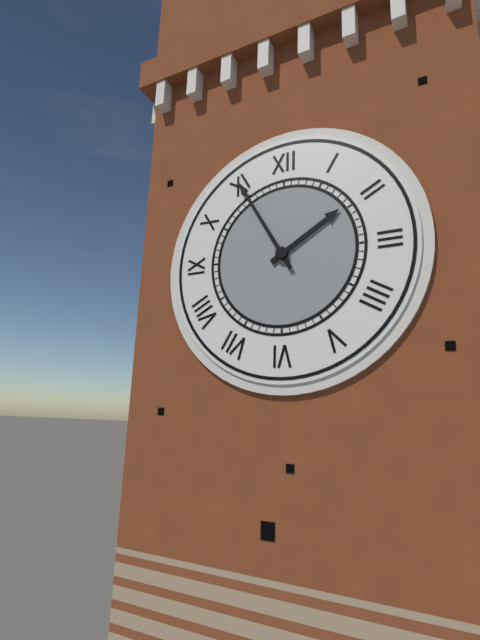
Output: 1h55
